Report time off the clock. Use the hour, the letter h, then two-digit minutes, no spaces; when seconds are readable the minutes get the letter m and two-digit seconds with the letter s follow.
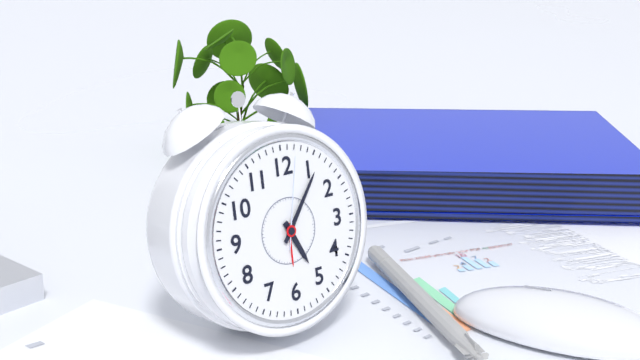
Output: 5h06m02s
